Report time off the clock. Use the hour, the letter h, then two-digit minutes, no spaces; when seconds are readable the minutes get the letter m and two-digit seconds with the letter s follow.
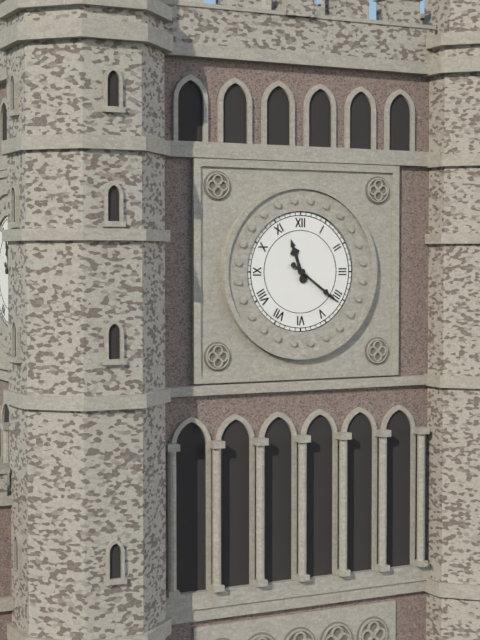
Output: 11h21
